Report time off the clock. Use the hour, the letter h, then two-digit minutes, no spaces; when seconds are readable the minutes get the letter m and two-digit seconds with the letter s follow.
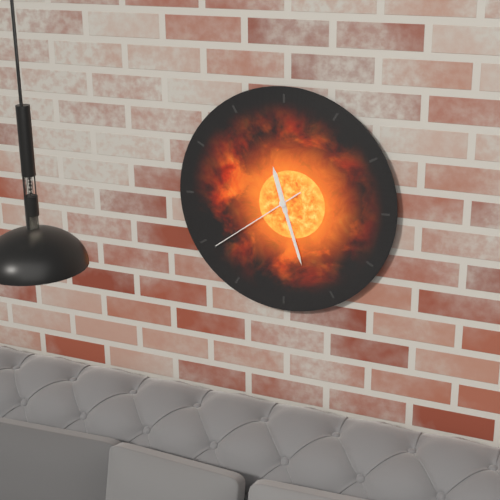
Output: 11h27m39s
